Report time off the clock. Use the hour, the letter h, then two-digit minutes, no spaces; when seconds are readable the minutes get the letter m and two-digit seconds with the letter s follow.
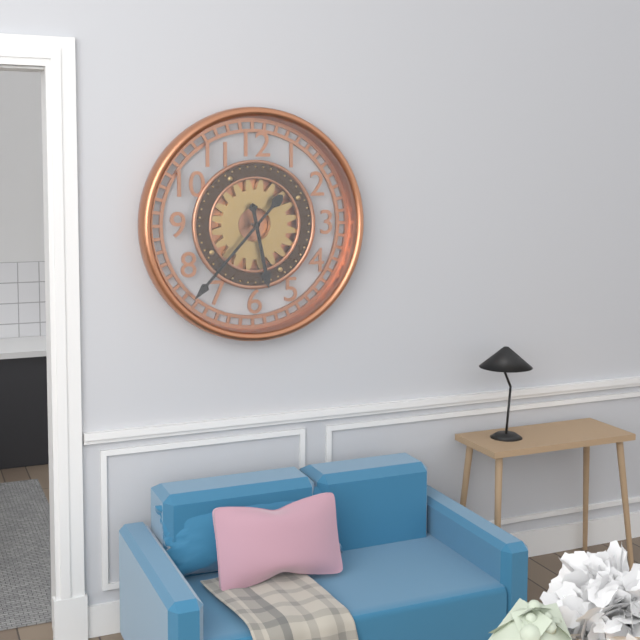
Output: 5h37
